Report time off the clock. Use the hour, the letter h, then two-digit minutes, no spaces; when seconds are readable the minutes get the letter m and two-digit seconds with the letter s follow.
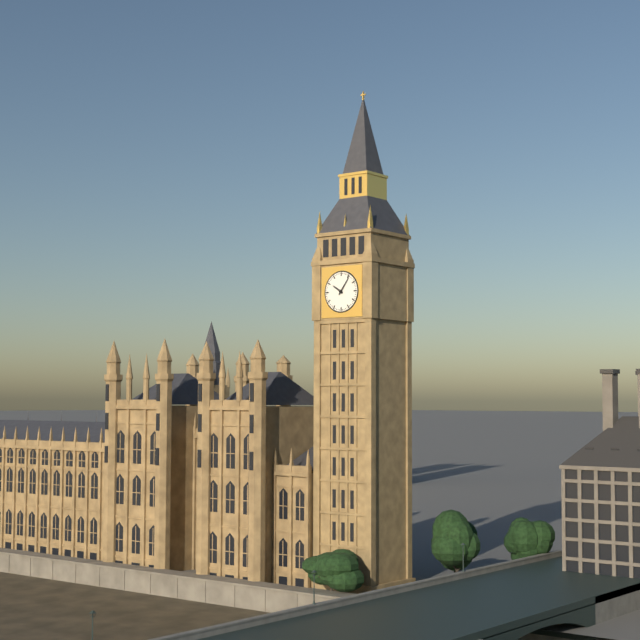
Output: 10h06
